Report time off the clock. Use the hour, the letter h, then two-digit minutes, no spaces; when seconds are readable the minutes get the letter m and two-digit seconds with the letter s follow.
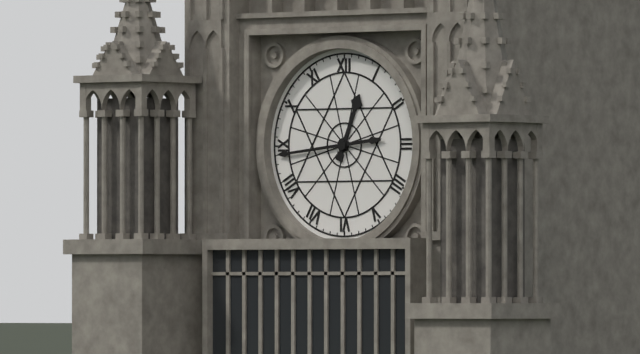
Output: 12h44
